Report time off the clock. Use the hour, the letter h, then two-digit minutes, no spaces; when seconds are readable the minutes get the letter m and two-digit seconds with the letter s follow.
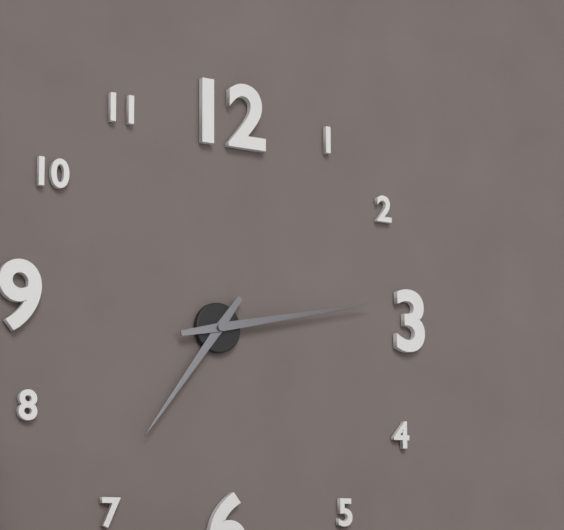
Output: 7h13
